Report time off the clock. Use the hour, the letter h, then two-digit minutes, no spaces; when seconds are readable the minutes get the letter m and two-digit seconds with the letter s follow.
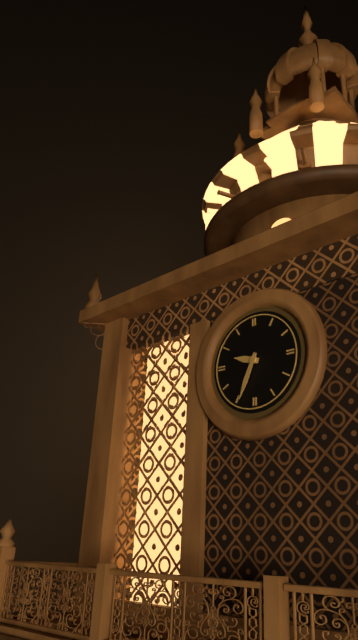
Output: 9h34
